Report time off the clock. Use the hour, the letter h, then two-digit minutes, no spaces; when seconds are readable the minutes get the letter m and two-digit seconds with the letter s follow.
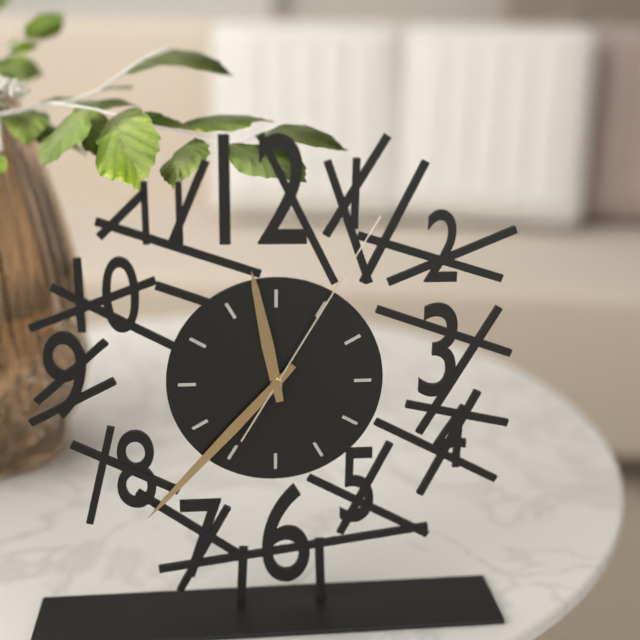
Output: 11h37m05s
